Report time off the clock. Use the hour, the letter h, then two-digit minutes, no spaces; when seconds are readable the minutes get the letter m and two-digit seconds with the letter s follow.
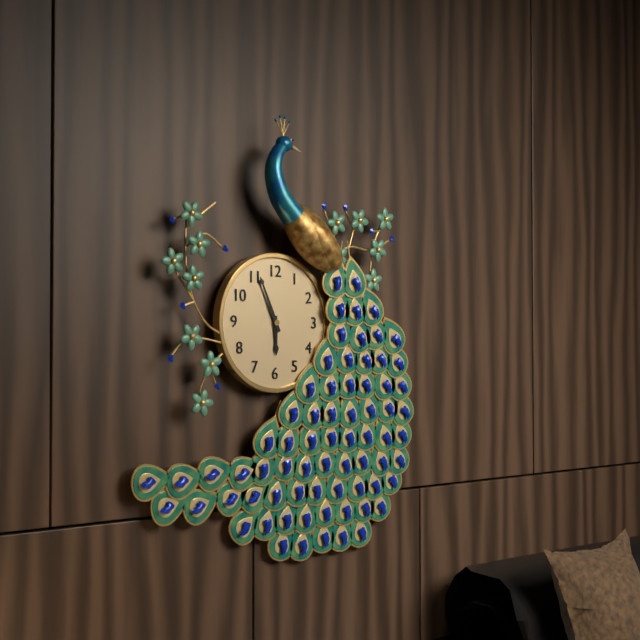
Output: 5h56
